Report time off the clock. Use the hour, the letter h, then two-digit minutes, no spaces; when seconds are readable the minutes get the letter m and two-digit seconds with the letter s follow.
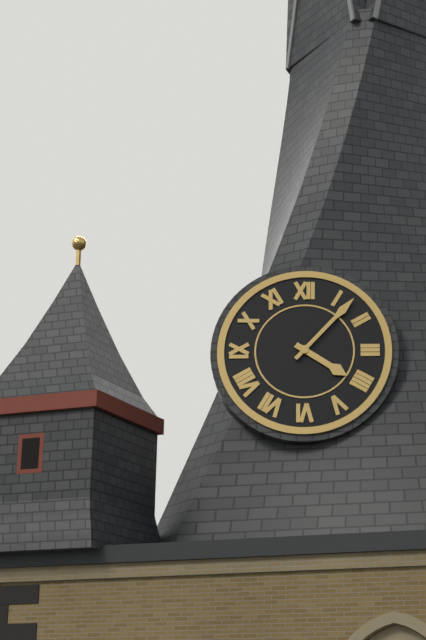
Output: 4h07
